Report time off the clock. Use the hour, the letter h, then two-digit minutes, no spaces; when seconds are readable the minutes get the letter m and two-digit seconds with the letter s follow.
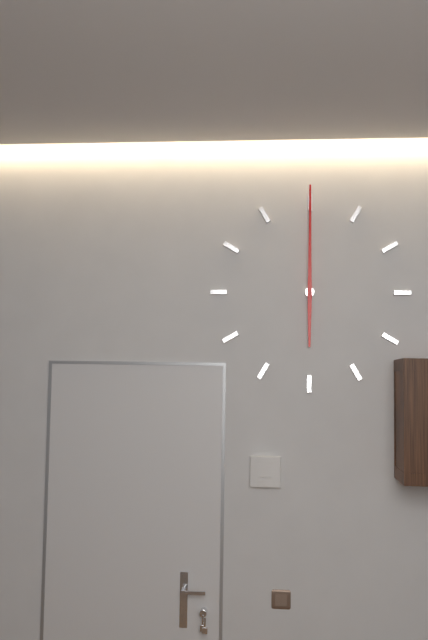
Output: 6h00
